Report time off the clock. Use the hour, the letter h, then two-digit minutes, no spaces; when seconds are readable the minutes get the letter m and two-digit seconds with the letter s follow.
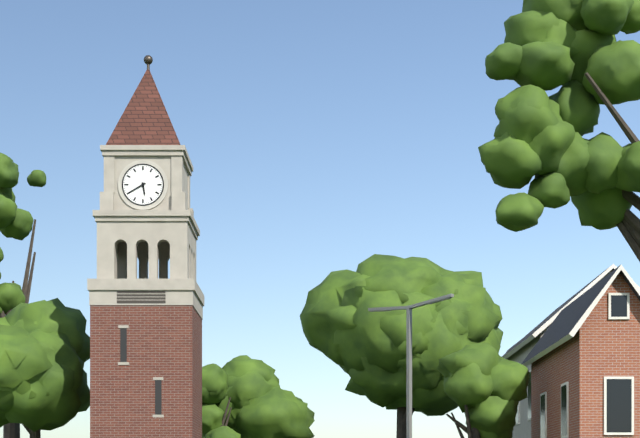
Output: 5h40
